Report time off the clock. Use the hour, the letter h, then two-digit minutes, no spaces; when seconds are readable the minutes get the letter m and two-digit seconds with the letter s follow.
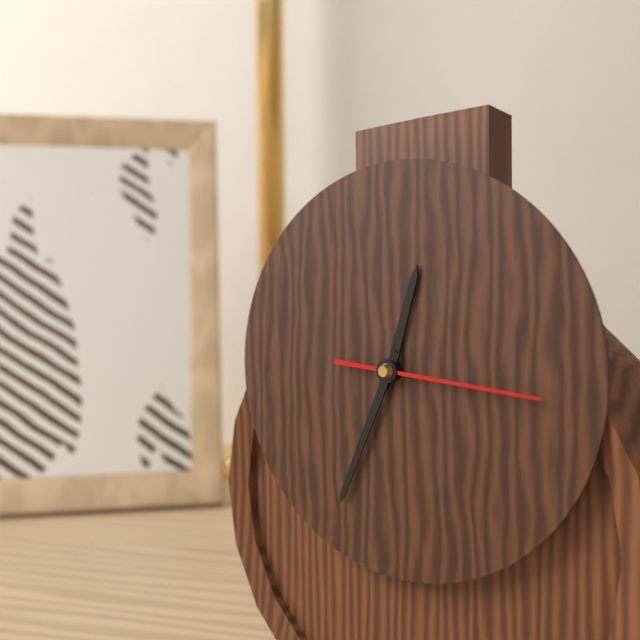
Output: 12h34m16s
